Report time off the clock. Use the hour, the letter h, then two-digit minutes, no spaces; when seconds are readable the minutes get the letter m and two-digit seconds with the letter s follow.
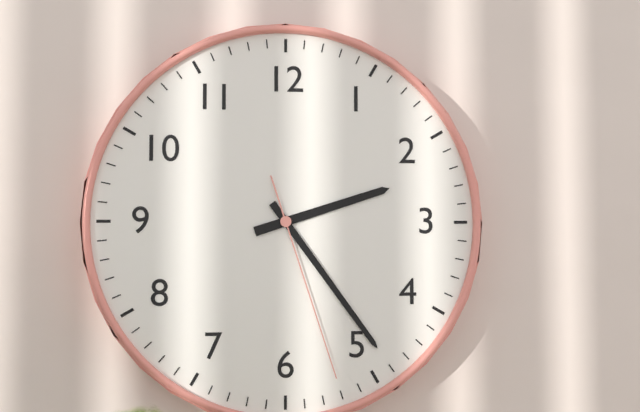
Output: 2h24m27s
